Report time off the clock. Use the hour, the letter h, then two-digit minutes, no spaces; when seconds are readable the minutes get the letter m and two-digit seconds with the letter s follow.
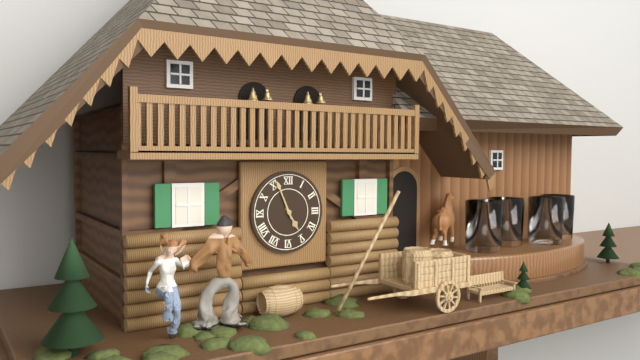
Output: 4h56
